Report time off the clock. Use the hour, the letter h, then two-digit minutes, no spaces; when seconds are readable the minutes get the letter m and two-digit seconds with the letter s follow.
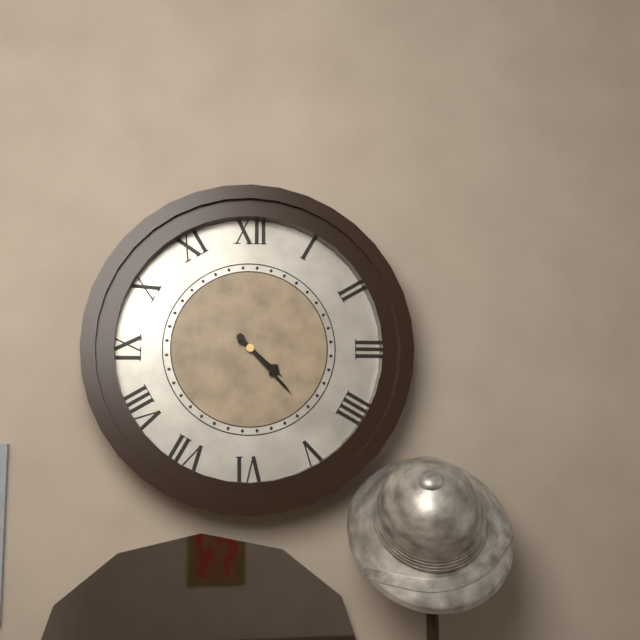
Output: 4h23
